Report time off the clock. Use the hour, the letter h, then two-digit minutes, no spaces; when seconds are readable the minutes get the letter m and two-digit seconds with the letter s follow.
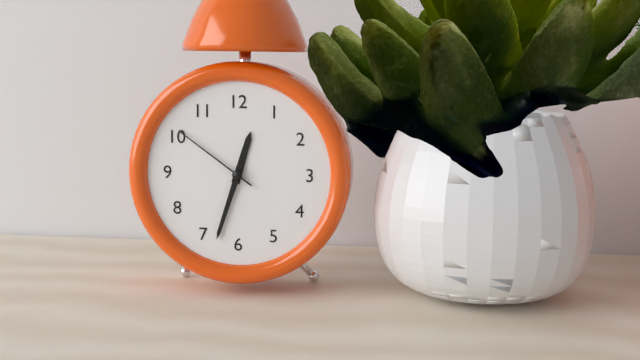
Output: 12h33m51s
